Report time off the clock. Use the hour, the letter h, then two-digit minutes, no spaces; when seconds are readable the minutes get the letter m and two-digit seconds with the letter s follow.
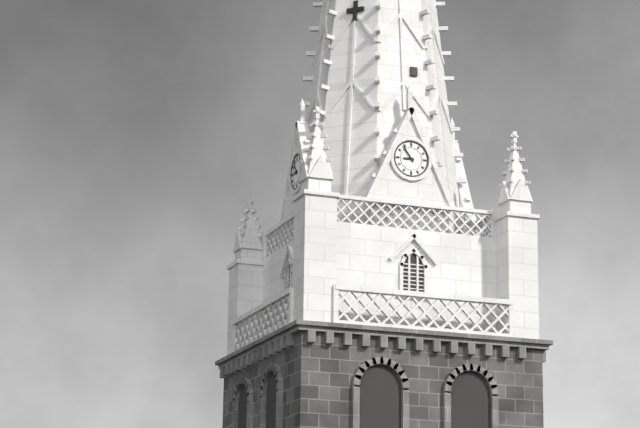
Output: 8h54
